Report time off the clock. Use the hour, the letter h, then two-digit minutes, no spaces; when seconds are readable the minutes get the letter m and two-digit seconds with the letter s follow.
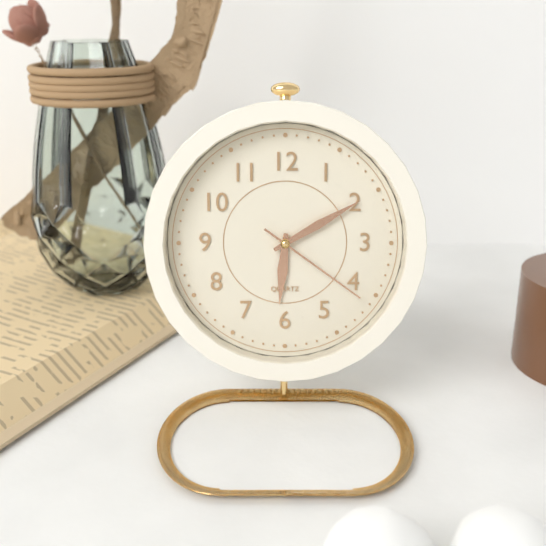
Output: 6h10m21s
